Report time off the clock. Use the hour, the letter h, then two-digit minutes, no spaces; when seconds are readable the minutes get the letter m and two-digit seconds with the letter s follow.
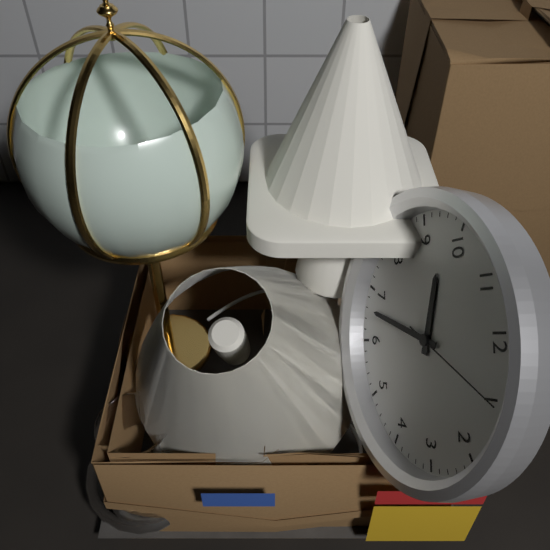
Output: 9h33m05s
